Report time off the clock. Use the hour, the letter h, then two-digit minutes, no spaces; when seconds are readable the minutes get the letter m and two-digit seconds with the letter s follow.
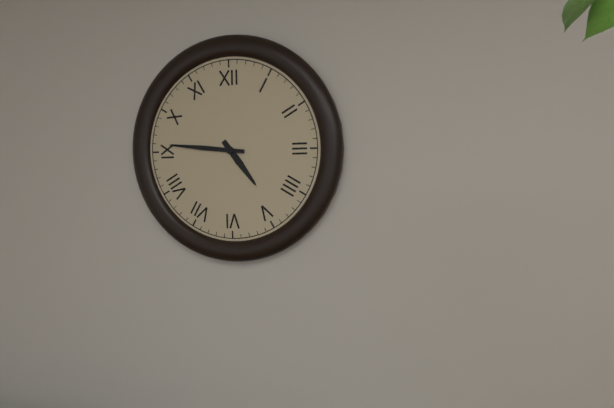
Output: 4h46
